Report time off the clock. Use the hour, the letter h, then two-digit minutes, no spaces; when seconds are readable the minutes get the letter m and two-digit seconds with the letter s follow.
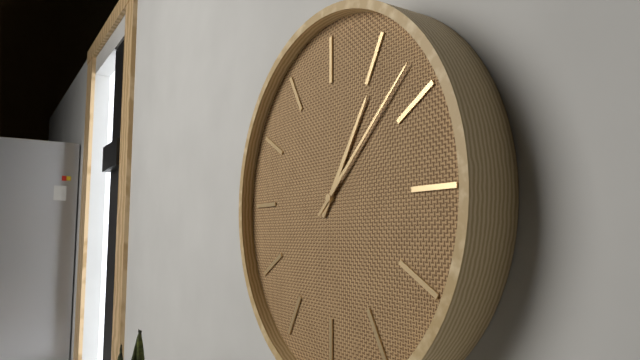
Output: 1h08
